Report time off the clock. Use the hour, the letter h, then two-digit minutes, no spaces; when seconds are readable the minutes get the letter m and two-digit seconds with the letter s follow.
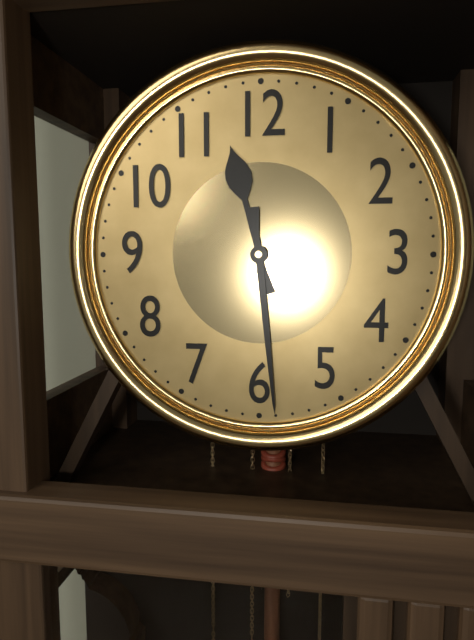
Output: 11h29
